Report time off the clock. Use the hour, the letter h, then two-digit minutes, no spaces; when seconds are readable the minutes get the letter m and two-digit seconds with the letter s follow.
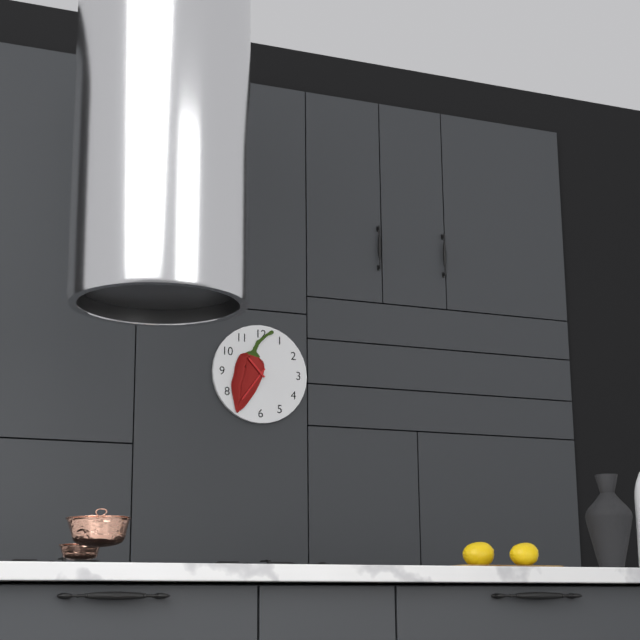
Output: 10h36
